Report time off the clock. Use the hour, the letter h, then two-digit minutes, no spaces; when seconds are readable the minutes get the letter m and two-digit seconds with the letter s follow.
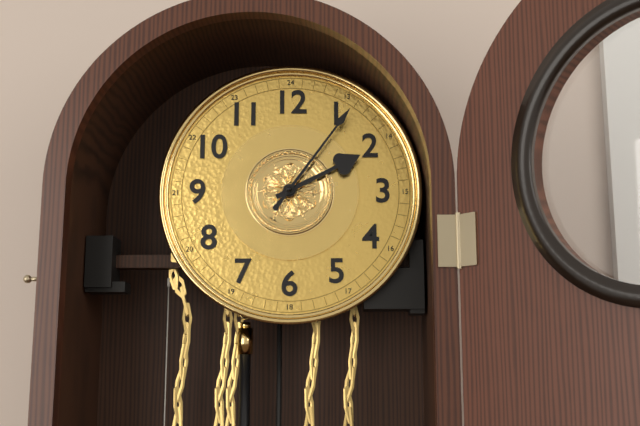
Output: 2h06
